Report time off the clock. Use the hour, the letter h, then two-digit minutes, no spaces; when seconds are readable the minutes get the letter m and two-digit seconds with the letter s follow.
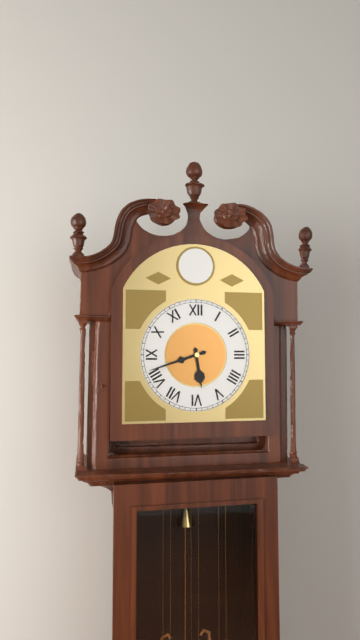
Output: 5h42
